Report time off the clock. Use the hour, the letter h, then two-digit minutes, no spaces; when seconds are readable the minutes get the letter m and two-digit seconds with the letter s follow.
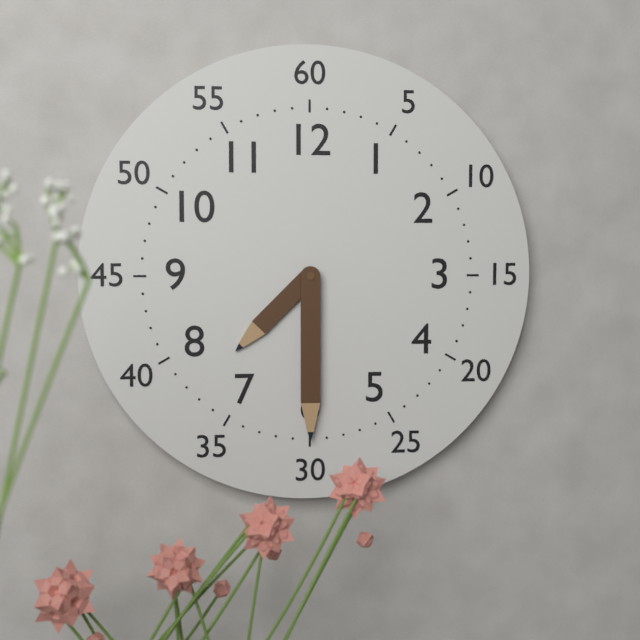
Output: 7h30
